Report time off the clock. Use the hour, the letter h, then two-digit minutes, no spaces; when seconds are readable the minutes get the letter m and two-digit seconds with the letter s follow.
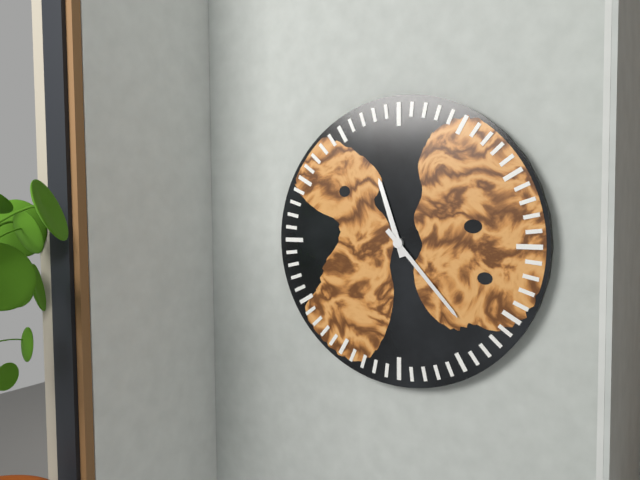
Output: 11h23
